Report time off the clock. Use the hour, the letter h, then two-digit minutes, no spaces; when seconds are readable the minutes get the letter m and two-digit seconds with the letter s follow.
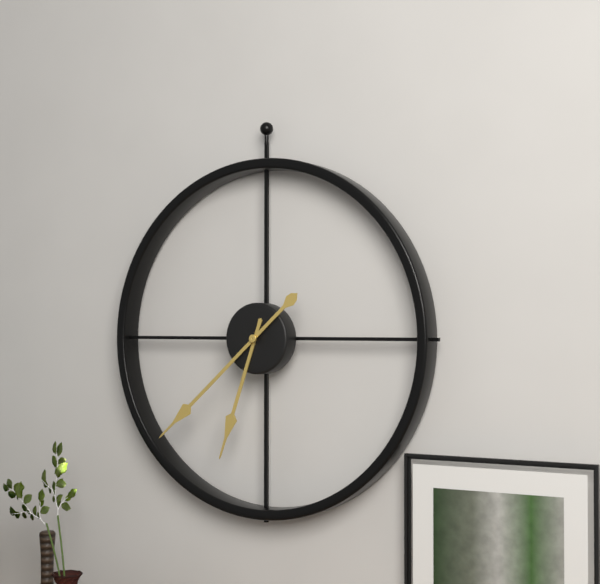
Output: 6h38
